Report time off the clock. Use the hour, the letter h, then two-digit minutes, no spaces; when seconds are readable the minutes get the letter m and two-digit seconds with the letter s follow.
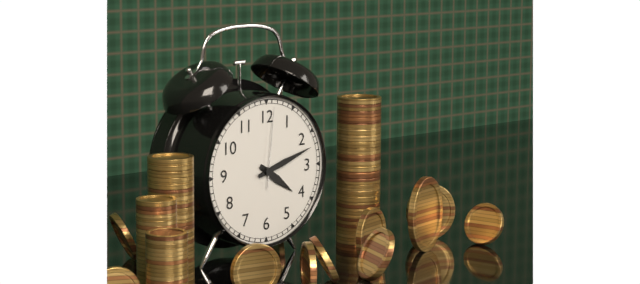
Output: 4h12m01s
